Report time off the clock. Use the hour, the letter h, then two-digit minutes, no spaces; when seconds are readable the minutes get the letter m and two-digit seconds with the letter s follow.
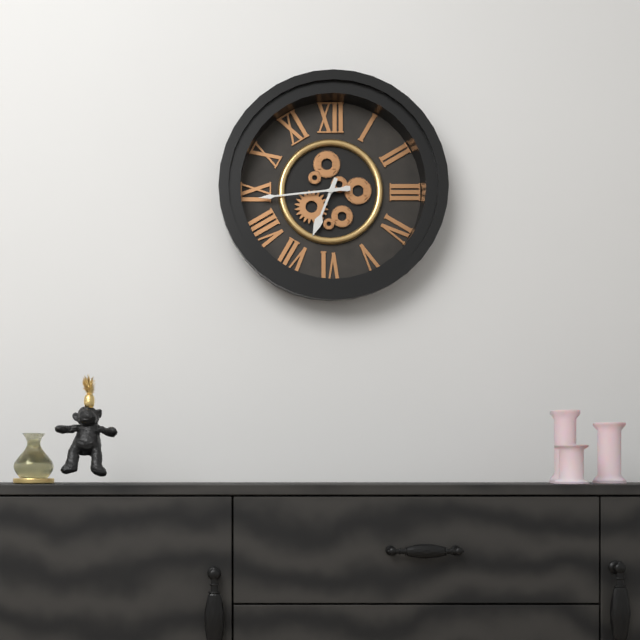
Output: 6h44
